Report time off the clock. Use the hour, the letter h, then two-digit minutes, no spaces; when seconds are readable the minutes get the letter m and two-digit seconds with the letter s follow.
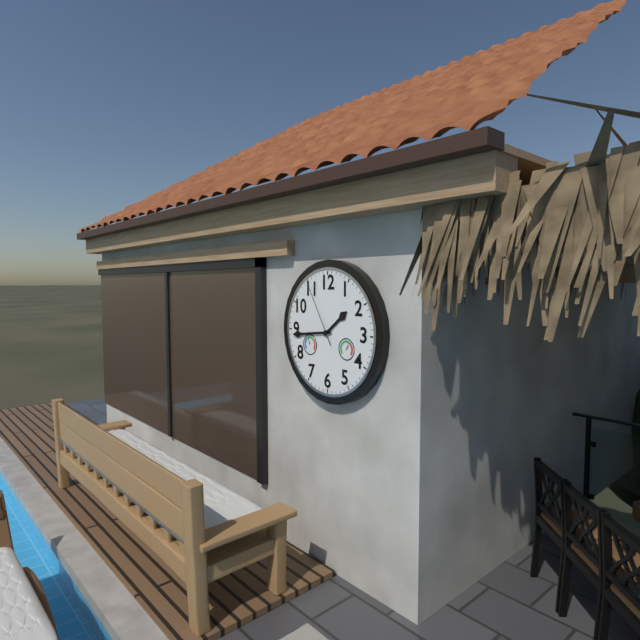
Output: 1h44m55s
